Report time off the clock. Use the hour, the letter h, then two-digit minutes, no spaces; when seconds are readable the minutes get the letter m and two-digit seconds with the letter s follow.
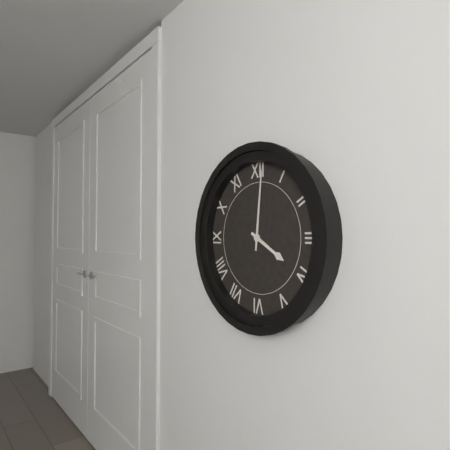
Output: 4h01
